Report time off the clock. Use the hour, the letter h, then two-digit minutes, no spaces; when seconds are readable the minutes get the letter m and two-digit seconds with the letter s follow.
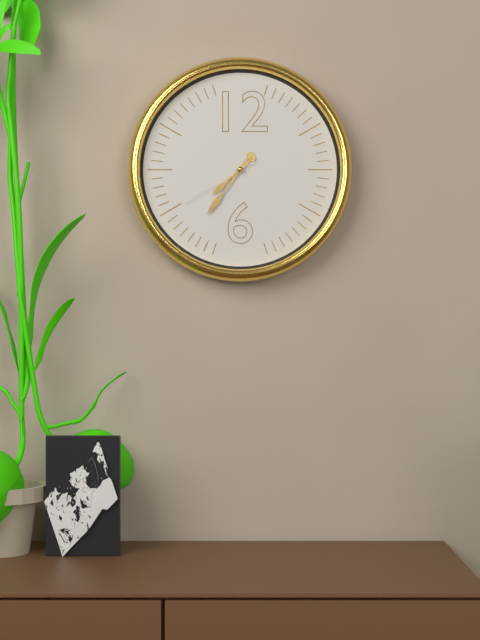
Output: 7h36m40s
